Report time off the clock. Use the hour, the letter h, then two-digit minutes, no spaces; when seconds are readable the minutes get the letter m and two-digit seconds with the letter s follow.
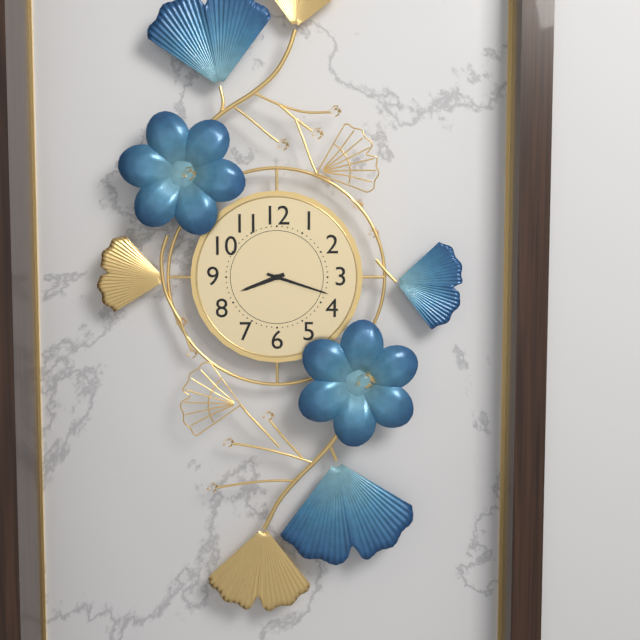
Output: 8h18
